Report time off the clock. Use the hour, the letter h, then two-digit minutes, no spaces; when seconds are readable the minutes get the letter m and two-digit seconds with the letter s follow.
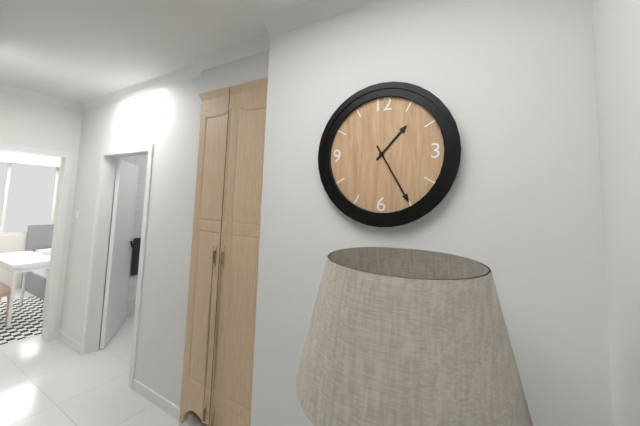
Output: 1h25
